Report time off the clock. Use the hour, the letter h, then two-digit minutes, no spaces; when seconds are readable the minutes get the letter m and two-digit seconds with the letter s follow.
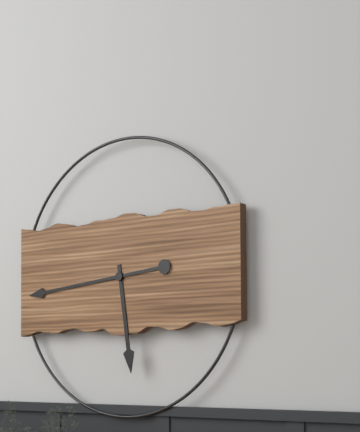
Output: 5h44
